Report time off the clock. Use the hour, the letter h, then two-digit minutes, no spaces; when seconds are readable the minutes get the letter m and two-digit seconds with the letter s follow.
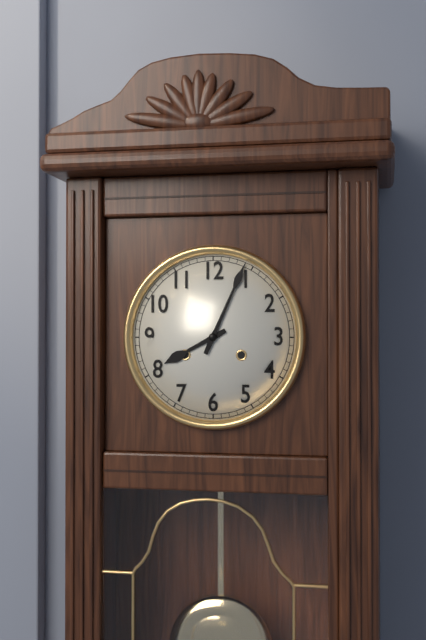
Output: 8h04
